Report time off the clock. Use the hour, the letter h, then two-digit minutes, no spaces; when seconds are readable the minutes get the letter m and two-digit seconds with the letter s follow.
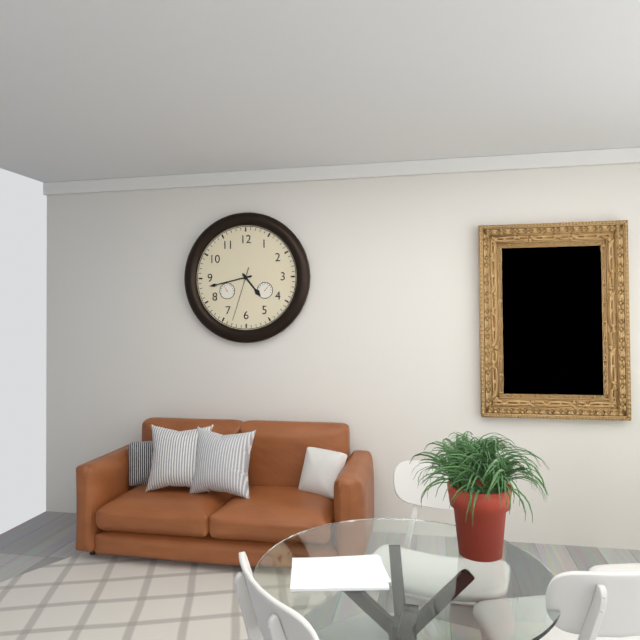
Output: 4h43m33s
